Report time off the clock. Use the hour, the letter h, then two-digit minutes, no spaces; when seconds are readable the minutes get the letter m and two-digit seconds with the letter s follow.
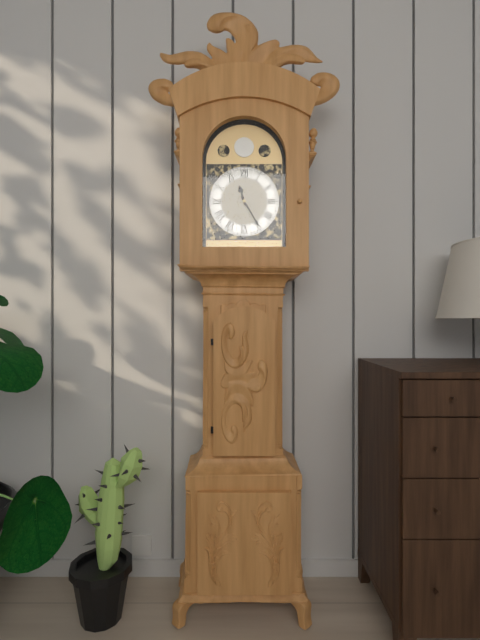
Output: 11h25
